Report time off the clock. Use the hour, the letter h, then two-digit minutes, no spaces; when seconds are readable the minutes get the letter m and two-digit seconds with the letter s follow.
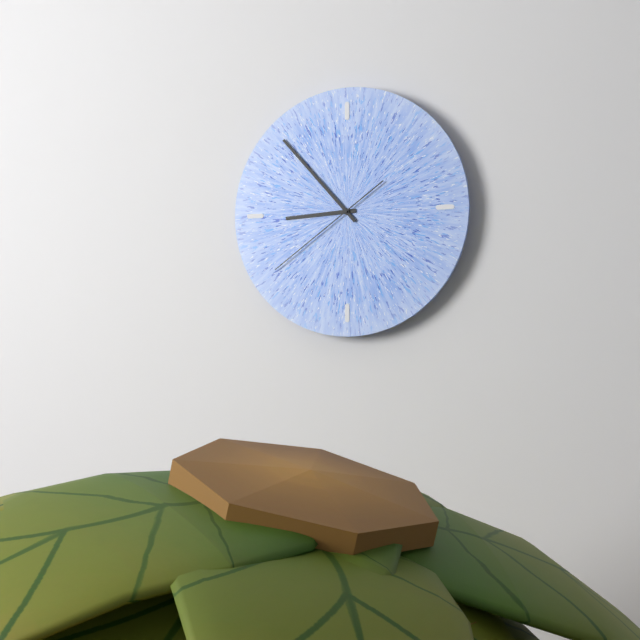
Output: 8h53m39s
